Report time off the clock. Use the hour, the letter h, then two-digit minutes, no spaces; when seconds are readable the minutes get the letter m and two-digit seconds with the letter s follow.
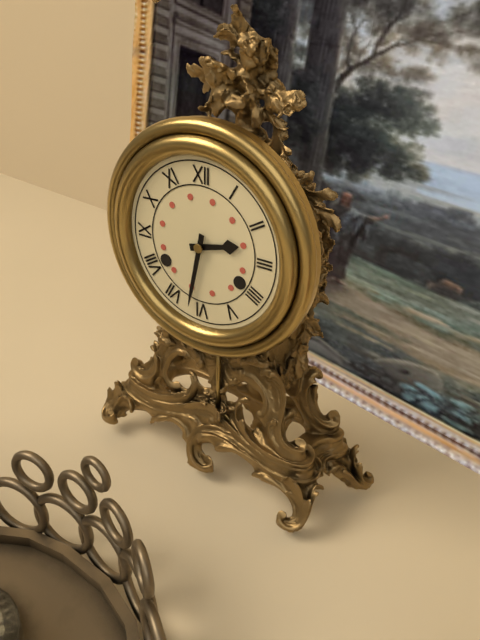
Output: 2h32
